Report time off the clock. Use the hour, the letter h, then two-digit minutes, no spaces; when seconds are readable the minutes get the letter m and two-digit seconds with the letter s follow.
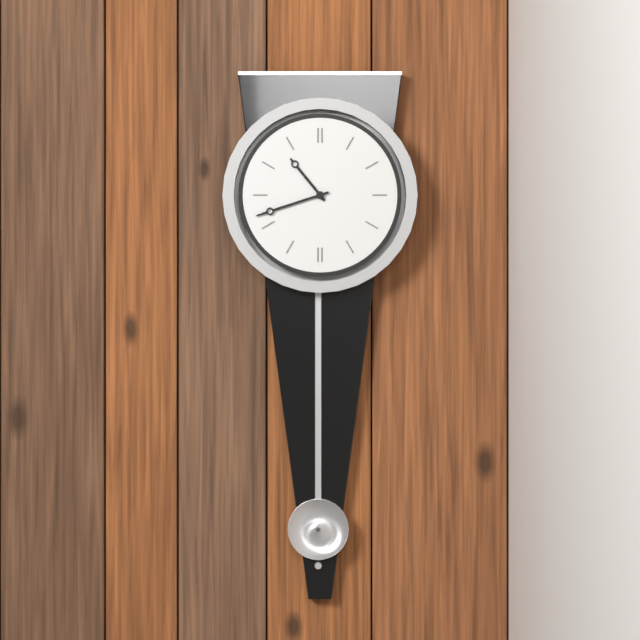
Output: 10h42
